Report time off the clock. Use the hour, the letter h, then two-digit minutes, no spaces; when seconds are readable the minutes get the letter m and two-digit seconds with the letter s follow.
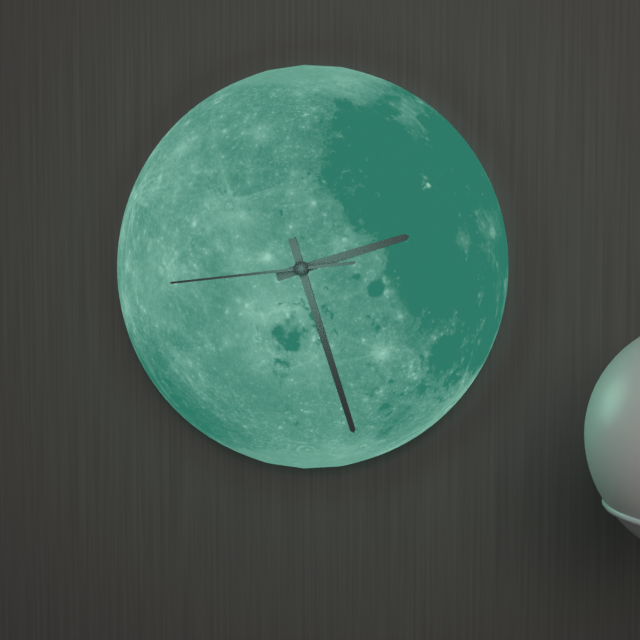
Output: 2h27m44s
